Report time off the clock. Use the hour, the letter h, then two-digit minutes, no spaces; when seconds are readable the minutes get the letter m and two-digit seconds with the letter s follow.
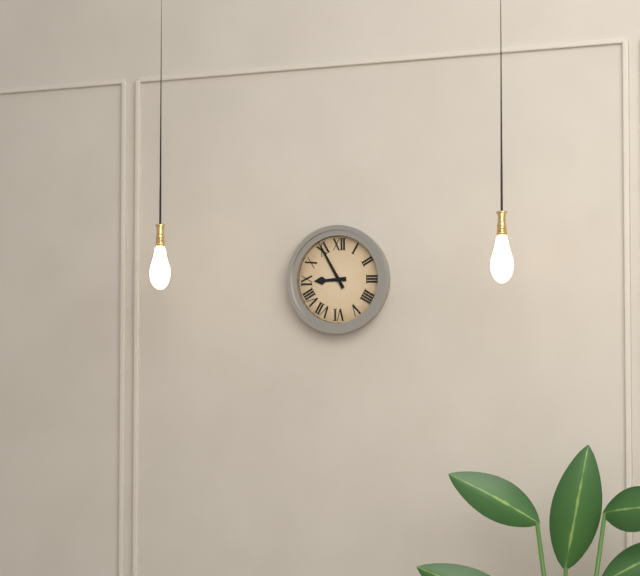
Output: 8h55
